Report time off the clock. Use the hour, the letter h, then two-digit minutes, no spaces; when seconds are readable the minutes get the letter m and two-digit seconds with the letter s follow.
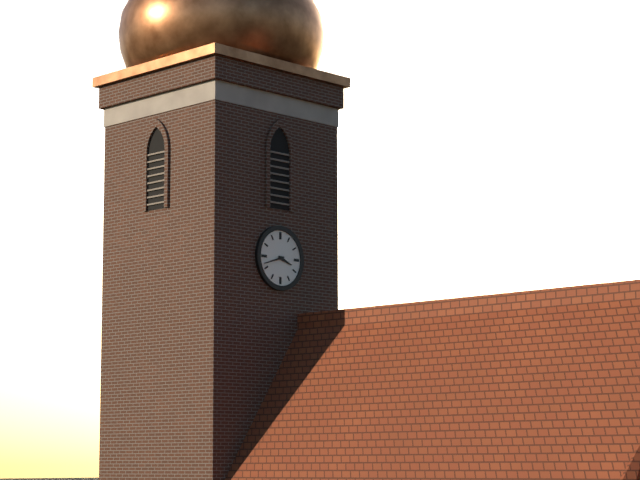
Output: 3h42
